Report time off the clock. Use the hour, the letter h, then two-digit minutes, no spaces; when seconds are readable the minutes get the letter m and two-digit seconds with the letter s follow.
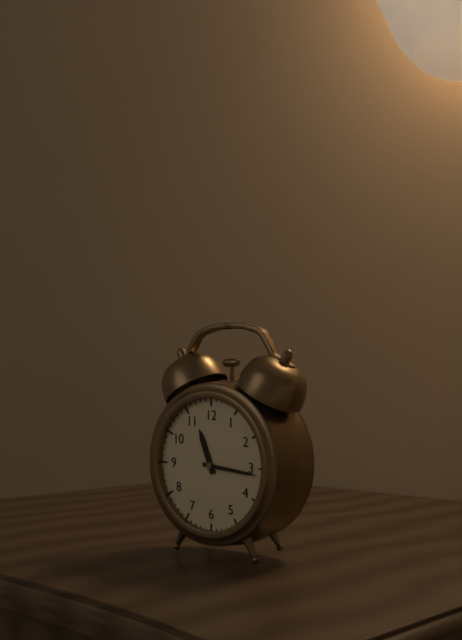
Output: 11h16
